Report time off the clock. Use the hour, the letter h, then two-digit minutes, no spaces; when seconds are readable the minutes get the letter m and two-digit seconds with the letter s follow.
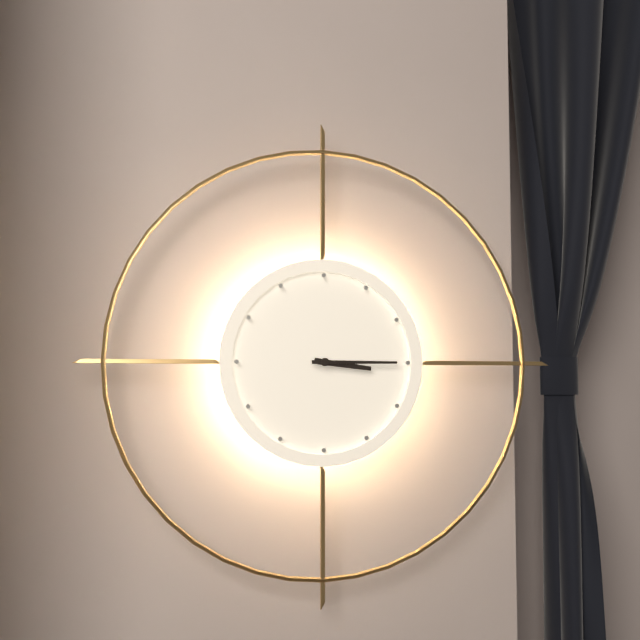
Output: 3h15
